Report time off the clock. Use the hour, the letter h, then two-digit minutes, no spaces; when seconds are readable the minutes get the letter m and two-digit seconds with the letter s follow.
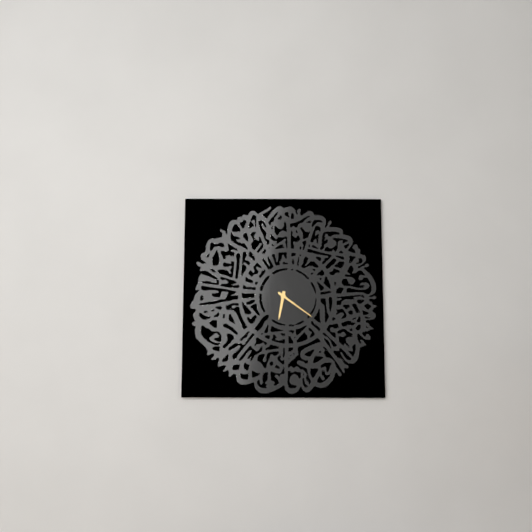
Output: 6h21
